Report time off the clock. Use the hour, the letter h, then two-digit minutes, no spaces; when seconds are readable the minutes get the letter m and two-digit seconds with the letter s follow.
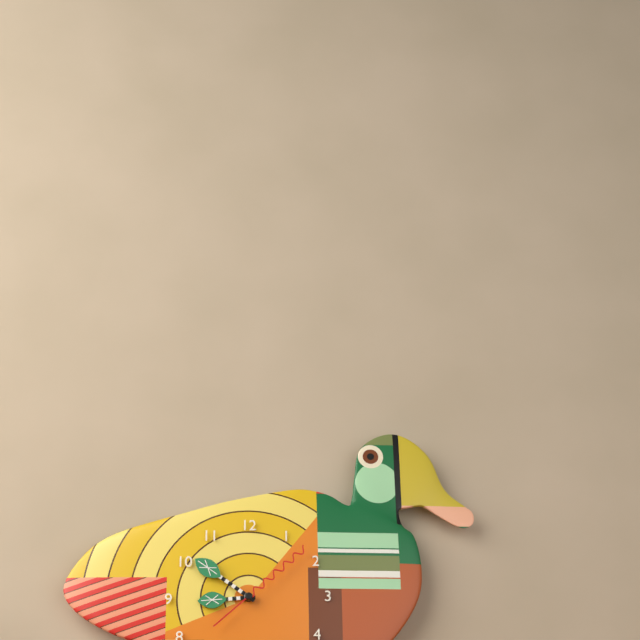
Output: 8h51m08s
